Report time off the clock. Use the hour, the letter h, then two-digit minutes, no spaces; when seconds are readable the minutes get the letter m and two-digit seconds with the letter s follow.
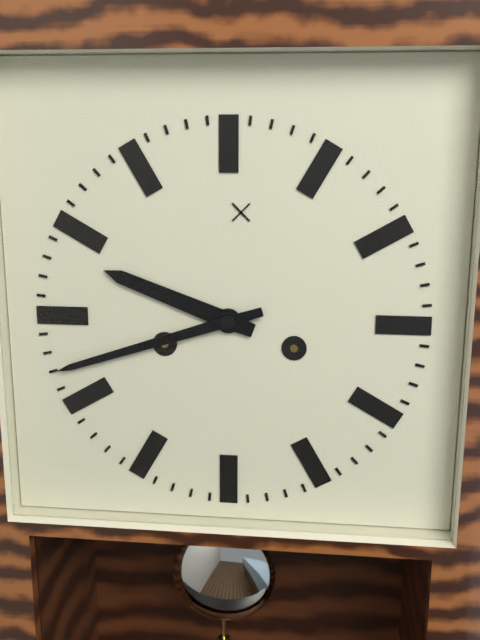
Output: 9h42
